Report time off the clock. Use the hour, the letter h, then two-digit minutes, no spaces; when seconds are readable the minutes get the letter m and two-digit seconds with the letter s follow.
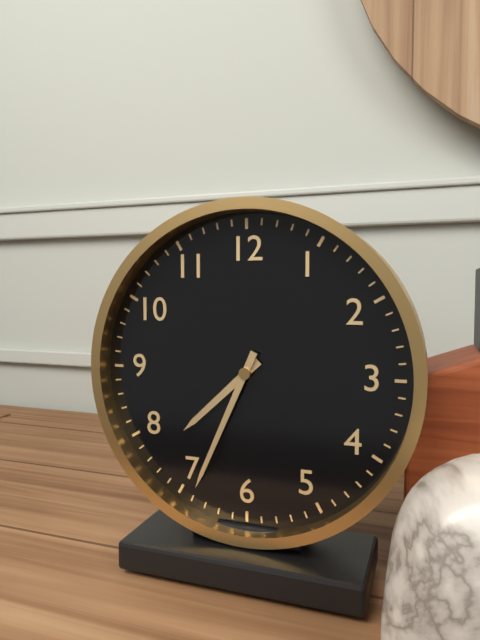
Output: 7h34
